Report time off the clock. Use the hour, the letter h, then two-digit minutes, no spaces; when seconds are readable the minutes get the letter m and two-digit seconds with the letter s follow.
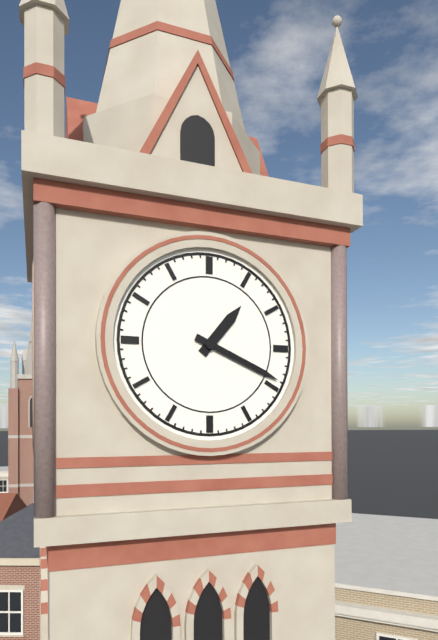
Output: 1h19
